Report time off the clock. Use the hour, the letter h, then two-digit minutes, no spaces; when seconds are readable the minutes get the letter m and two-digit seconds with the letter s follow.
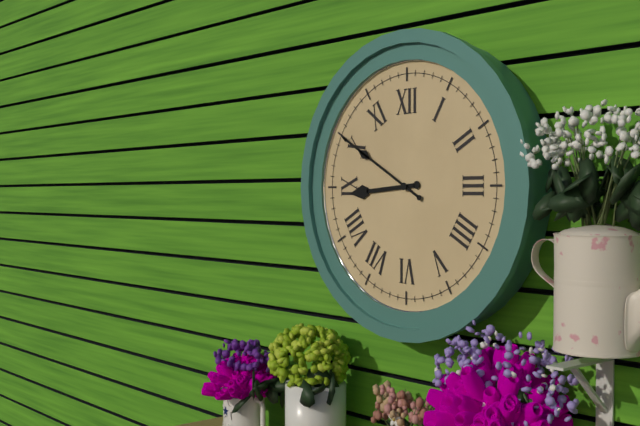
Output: 8h50
